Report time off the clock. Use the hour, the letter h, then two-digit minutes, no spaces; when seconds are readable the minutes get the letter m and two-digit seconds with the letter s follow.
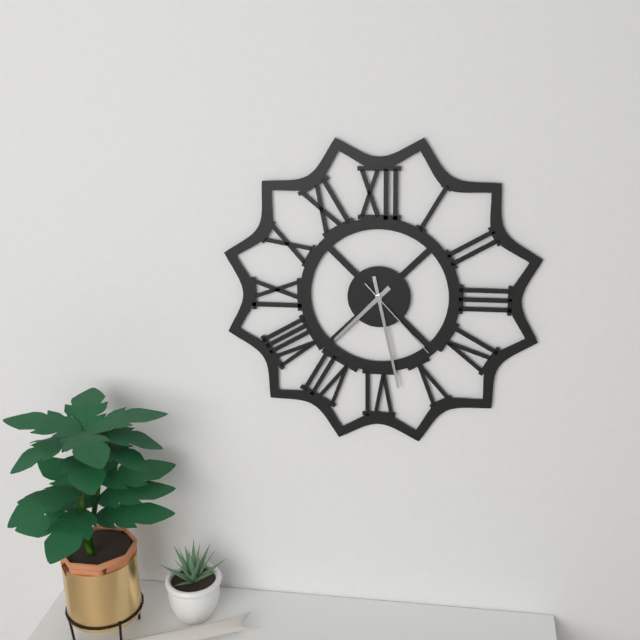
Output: 7h28m23s
